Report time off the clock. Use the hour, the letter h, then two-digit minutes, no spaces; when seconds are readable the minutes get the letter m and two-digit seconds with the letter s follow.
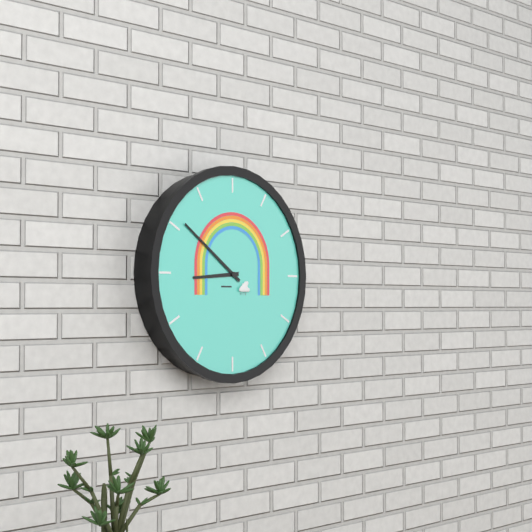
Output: 8h51
